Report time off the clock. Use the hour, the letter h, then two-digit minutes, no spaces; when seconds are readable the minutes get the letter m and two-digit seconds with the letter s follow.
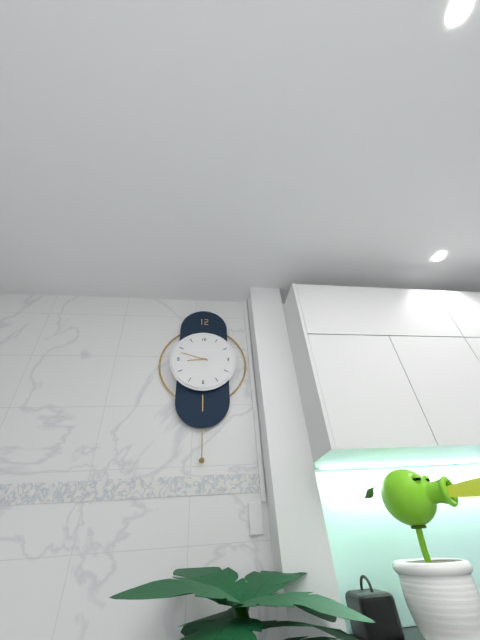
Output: 8h48
